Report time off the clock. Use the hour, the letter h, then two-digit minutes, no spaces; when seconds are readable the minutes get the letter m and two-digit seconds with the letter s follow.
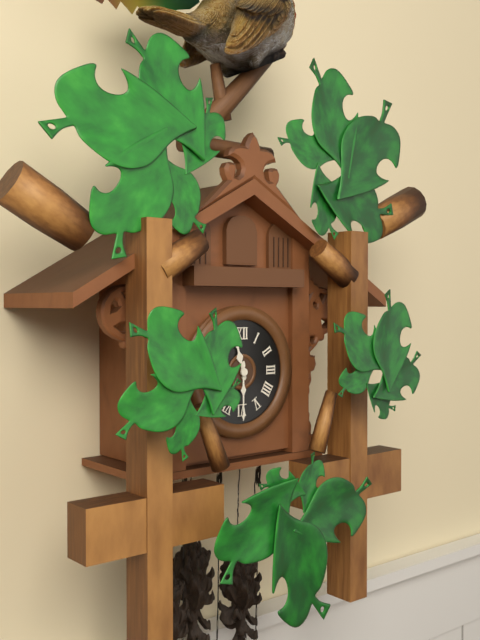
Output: 11h30
